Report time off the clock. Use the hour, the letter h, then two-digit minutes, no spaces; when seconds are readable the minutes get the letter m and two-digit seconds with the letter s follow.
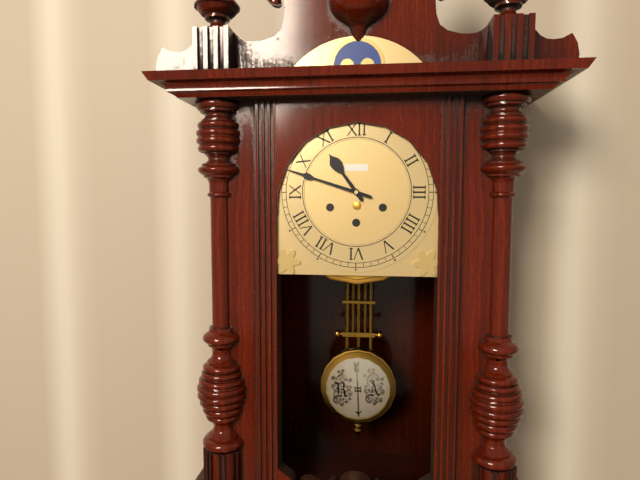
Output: 10h48
